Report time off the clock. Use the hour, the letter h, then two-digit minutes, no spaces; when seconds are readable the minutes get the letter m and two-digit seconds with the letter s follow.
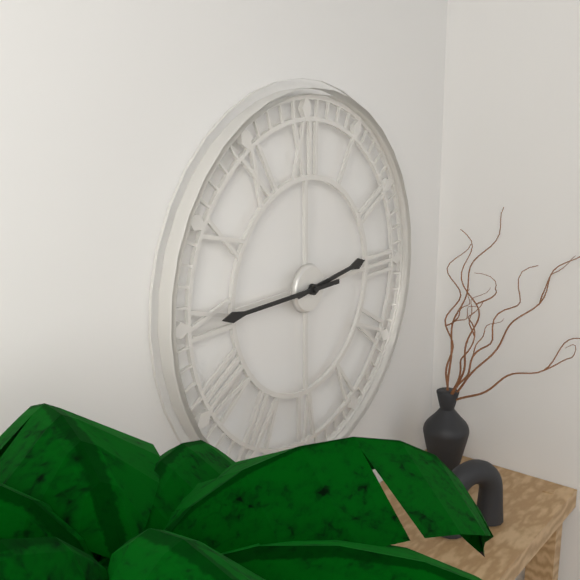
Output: 2h45
